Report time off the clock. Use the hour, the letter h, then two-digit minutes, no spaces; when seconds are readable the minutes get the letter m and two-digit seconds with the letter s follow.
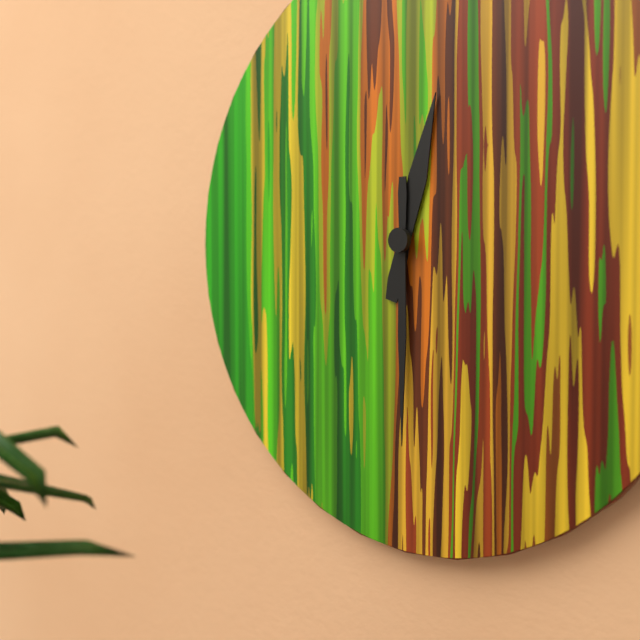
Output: 12h30
